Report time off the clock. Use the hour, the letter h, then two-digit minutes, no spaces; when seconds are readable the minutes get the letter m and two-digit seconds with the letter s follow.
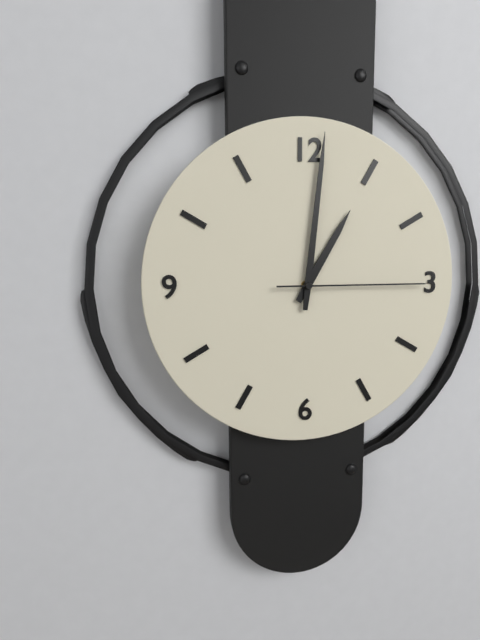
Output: 1h01m15s
